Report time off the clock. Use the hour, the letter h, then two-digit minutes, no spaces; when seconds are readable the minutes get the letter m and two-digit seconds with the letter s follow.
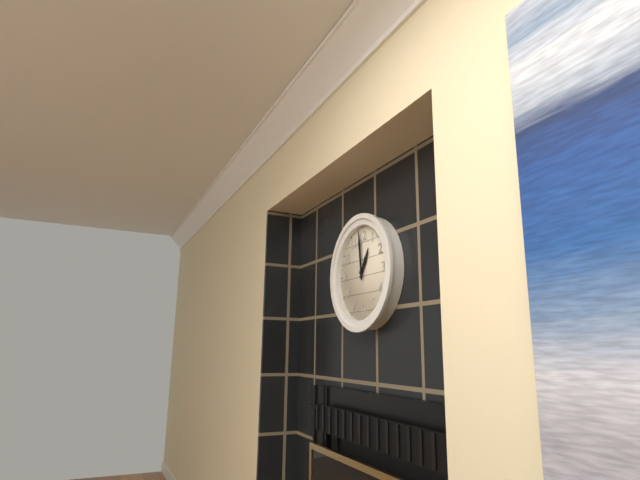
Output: 12h59
